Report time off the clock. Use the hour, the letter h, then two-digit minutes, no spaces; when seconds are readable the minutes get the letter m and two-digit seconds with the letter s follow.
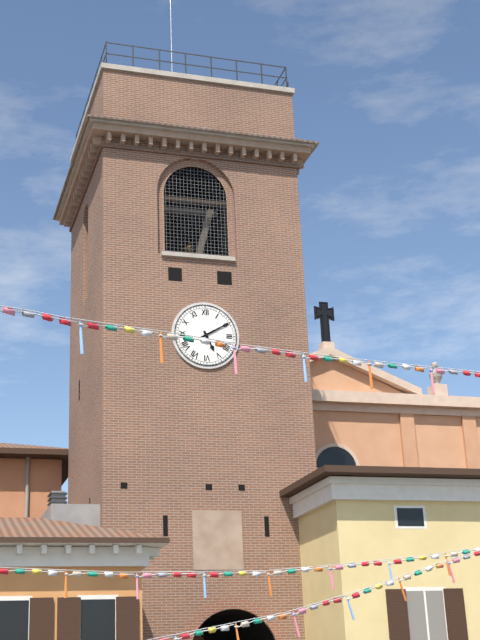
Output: 5h10
